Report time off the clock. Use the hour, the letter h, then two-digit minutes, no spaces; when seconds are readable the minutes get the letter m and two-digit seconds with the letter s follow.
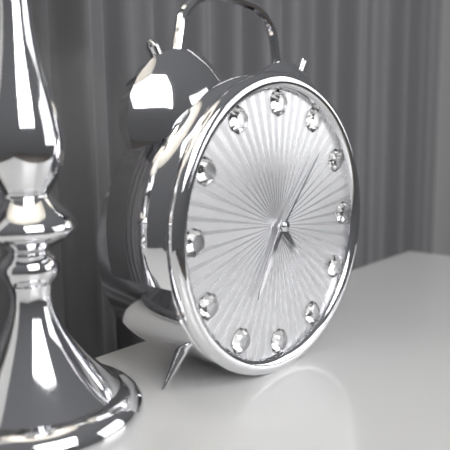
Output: 4h35m07s
